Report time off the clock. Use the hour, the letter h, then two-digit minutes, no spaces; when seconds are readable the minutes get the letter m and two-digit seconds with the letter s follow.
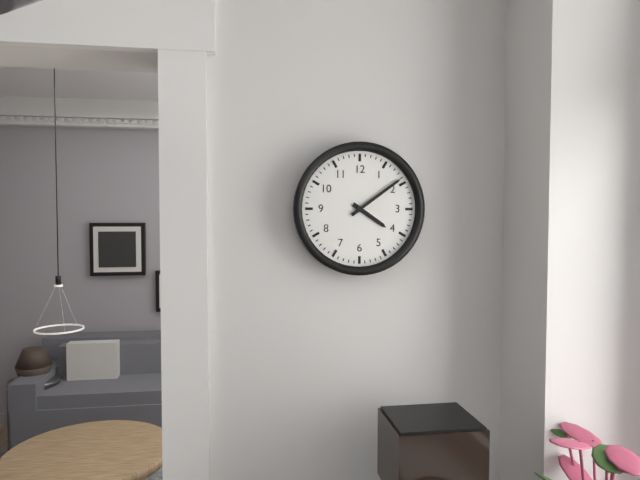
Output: 4h09
